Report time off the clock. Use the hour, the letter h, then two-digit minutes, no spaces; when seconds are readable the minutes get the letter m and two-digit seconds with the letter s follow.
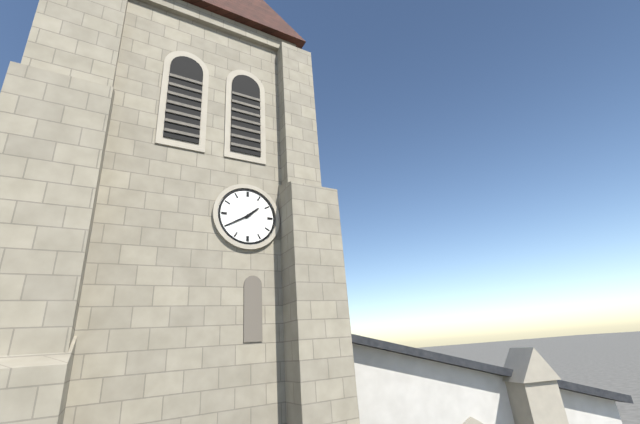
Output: 1h40
